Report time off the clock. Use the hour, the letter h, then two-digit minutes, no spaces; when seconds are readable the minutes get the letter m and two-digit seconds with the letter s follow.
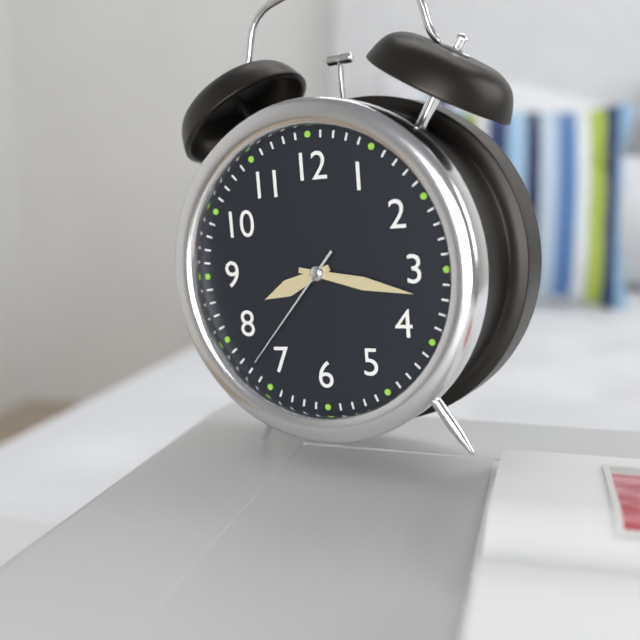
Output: 8h17m37s
